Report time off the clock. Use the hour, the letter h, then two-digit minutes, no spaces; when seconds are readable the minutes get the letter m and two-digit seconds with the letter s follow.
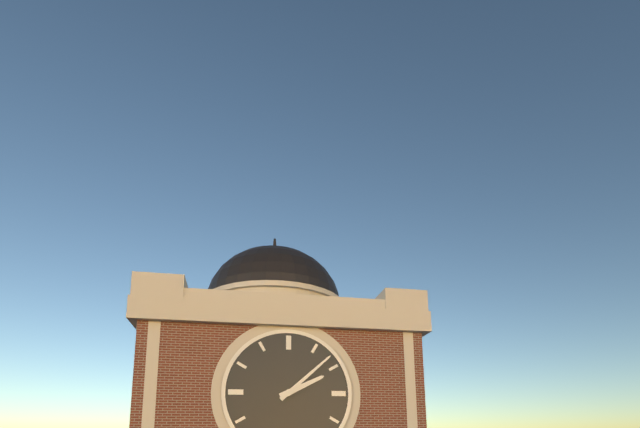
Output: 2h08
